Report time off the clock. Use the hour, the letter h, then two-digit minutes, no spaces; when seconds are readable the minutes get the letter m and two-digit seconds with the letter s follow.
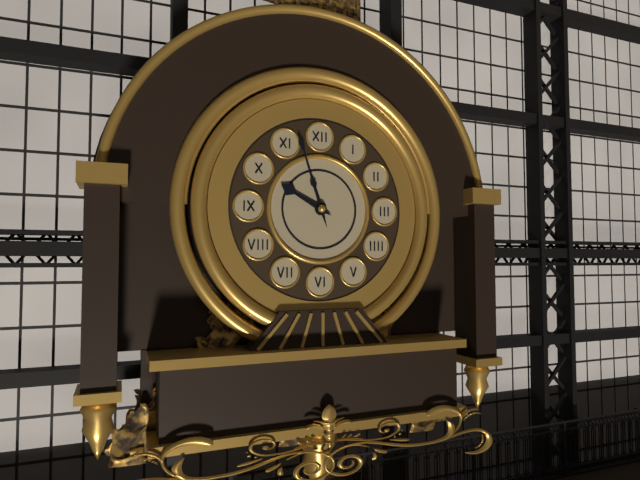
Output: 9h57
